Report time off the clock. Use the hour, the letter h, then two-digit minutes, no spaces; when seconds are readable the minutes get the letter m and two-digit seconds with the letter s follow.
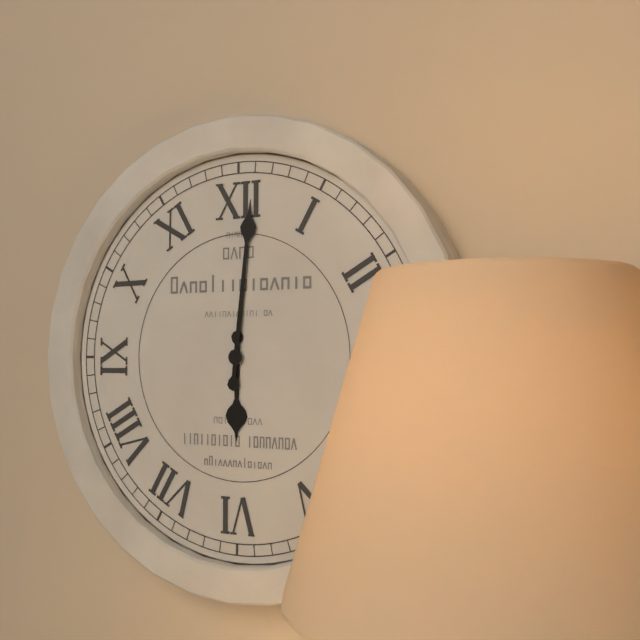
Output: 6h01
